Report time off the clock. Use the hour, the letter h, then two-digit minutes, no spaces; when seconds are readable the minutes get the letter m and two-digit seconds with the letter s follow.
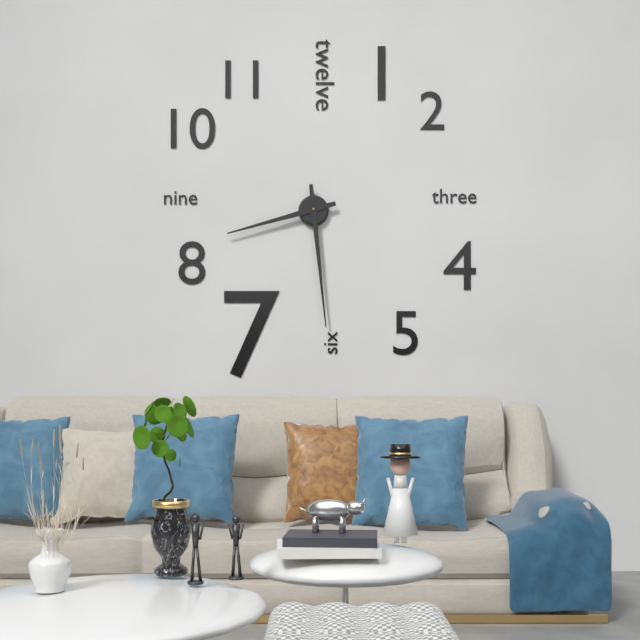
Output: 8h29
